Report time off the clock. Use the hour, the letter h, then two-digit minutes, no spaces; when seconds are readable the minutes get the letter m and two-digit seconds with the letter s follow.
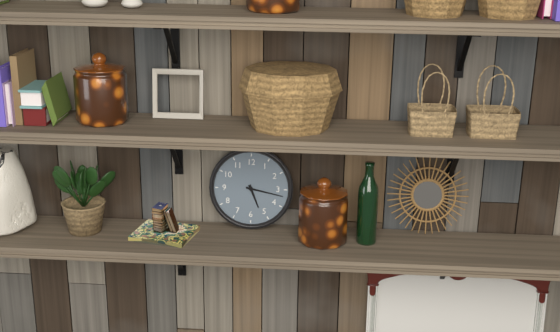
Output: 5h17
